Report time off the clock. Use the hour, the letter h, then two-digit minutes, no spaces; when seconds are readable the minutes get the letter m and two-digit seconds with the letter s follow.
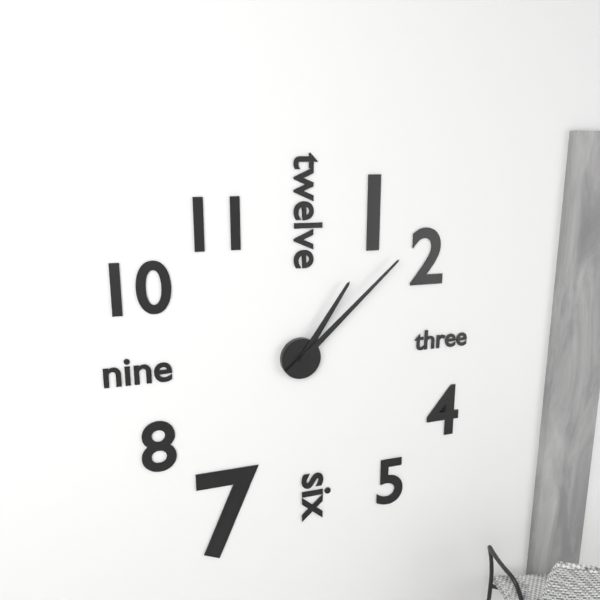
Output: 1h08
